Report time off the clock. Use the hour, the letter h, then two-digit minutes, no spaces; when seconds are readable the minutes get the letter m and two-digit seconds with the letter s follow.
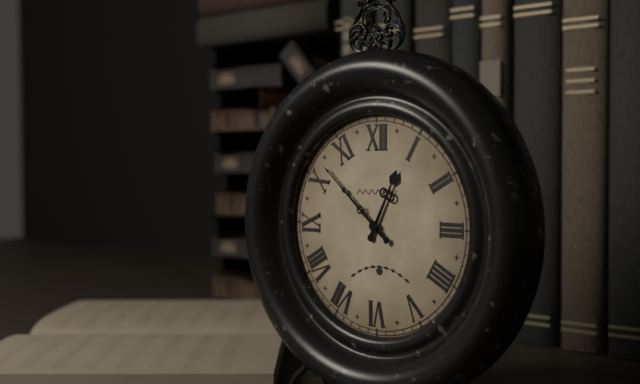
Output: 12h52
